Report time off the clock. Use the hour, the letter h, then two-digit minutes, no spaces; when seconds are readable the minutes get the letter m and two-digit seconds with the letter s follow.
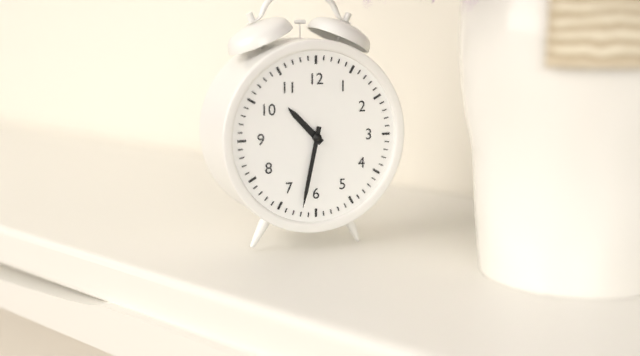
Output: 10h32
